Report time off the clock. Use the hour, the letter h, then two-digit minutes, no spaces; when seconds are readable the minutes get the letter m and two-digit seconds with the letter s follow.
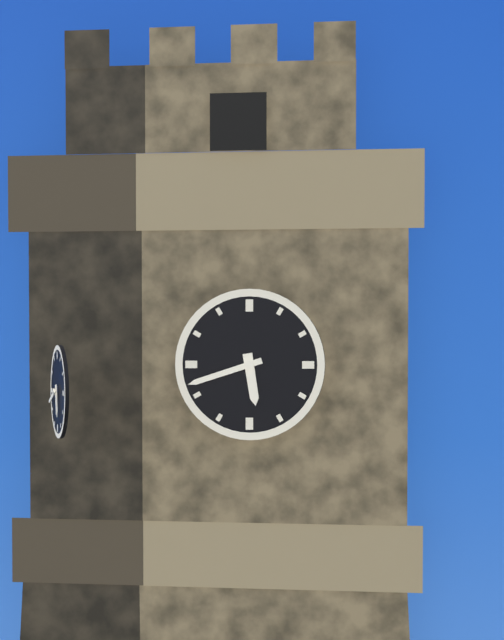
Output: 5h42
